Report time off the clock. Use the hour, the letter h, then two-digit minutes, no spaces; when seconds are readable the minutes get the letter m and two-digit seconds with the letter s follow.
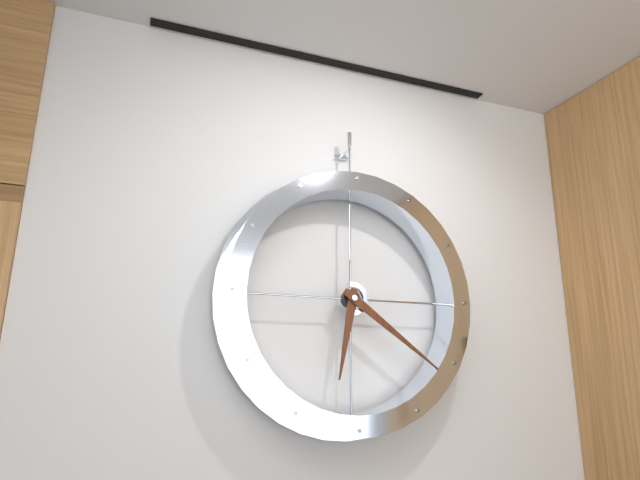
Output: 6h21
